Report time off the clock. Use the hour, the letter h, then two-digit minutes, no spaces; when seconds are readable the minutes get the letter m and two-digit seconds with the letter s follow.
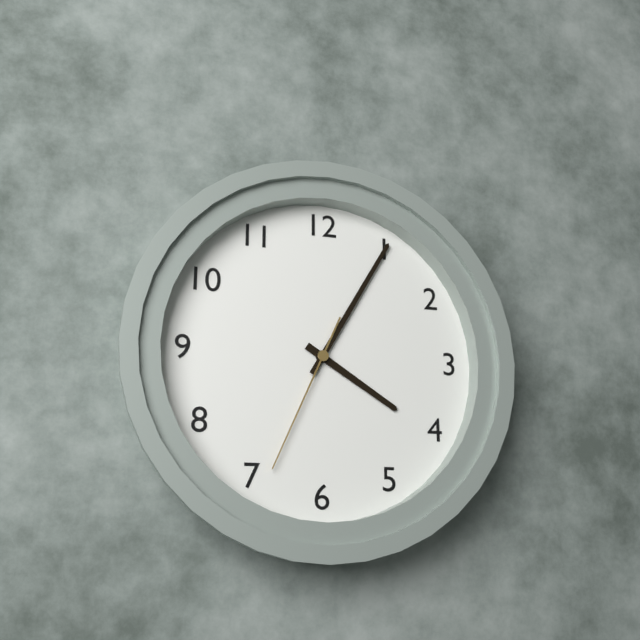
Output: 4h05m34s
